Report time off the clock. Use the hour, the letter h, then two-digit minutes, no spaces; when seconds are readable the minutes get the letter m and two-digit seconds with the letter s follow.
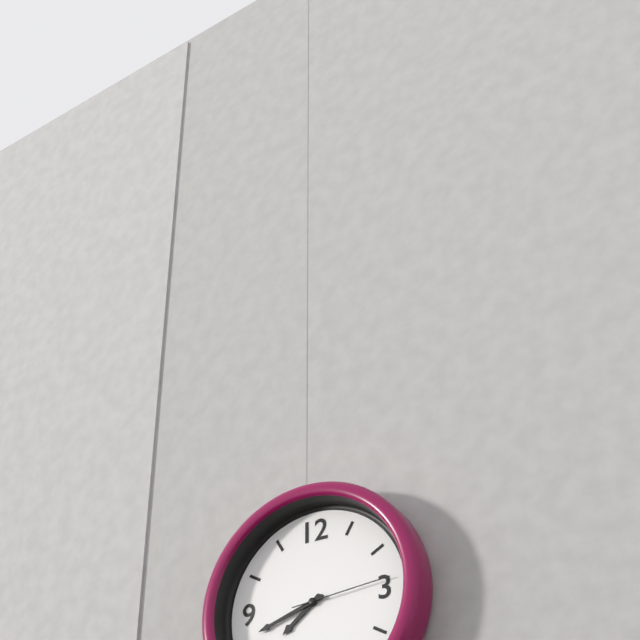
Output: 7h42m14s
